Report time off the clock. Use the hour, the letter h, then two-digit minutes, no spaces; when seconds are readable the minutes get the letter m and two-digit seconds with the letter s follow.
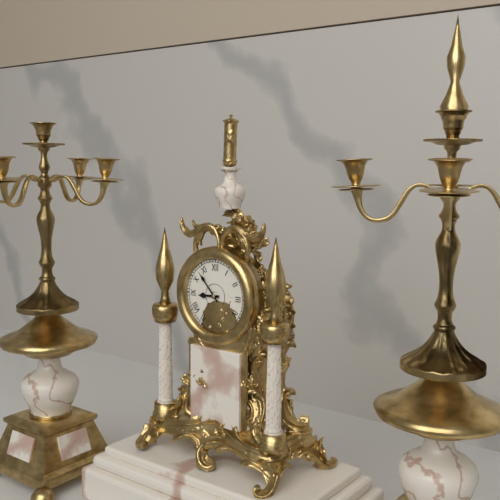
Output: 8h53
